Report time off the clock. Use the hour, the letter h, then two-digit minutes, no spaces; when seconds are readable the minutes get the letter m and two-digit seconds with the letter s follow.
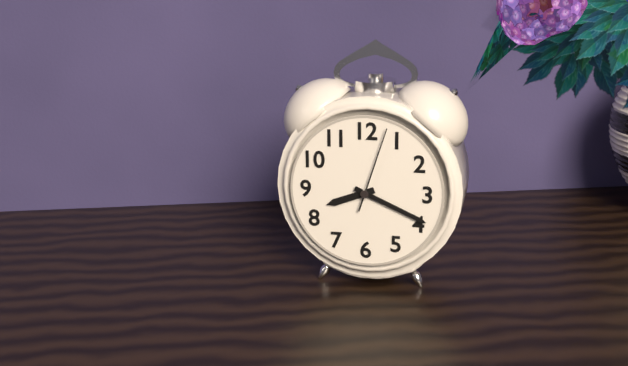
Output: 8h19m03s
